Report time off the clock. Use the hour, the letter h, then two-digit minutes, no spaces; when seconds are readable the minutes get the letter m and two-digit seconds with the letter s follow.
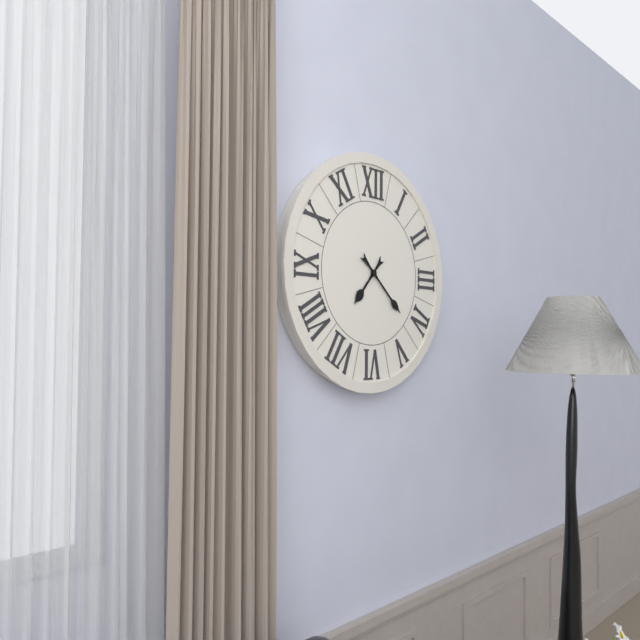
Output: 7h22
